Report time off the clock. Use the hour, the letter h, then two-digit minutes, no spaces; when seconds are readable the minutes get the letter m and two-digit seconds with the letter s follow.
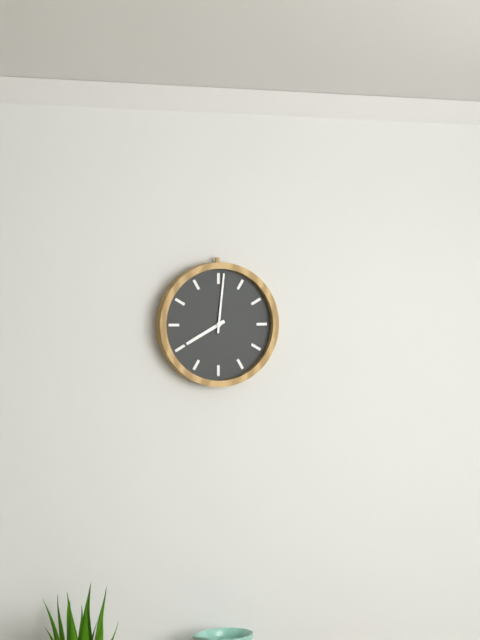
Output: 8h01
